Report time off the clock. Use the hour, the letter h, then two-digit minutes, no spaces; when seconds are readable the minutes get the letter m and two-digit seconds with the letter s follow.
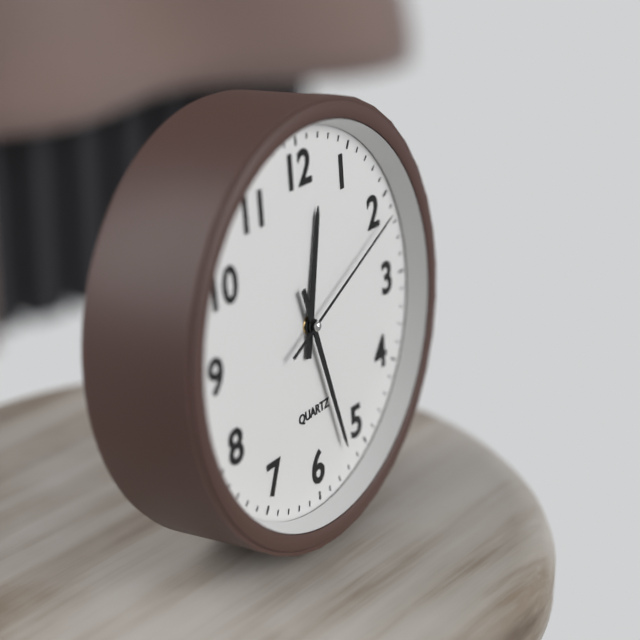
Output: 12h27m11s
